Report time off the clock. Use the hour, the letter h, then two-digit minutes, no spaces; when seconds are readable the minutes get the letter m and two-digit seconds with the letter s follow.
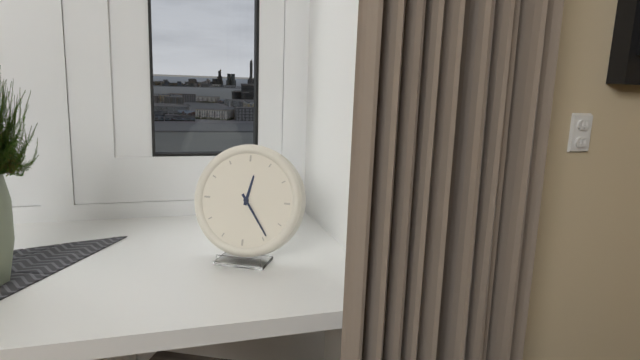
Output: 12h24
